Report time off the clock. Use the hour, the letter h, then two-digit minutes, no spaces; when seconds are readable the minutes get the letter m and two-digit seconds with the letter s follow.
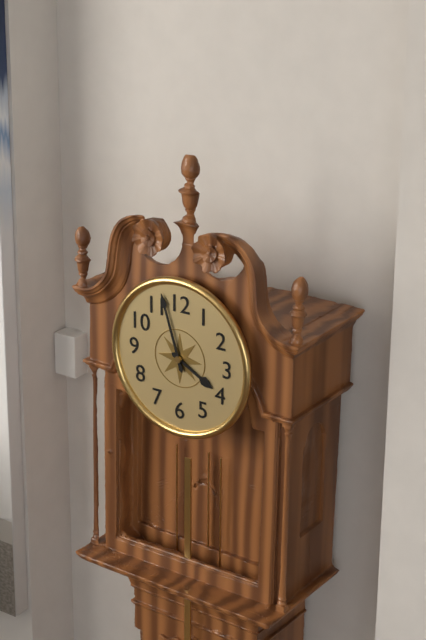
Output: 3h57
